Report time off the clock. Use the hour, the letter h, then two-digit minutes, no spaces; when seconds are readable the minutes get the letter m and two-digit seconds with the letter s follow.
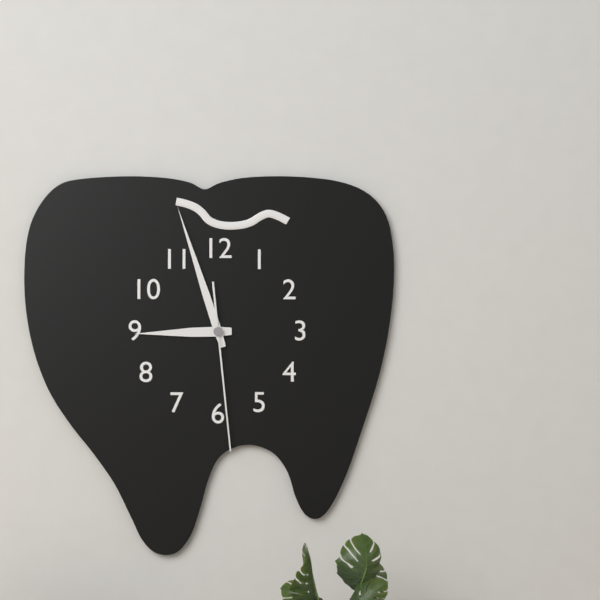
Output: 8h57m29s
